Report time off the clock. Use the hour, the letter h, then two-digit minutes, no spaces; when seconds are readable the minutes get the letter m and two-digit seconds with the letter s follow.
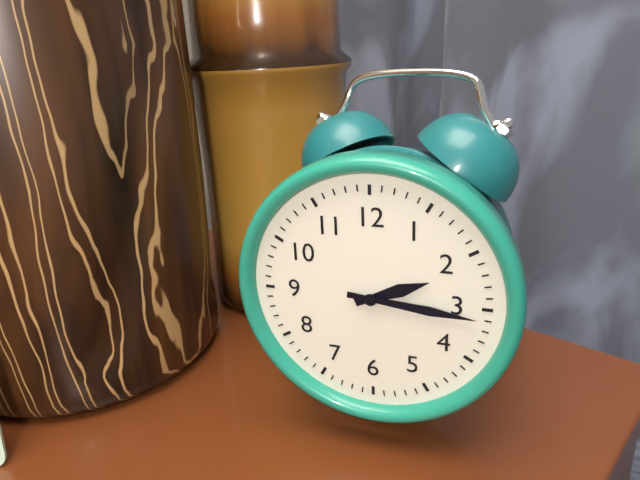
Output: 2h16
